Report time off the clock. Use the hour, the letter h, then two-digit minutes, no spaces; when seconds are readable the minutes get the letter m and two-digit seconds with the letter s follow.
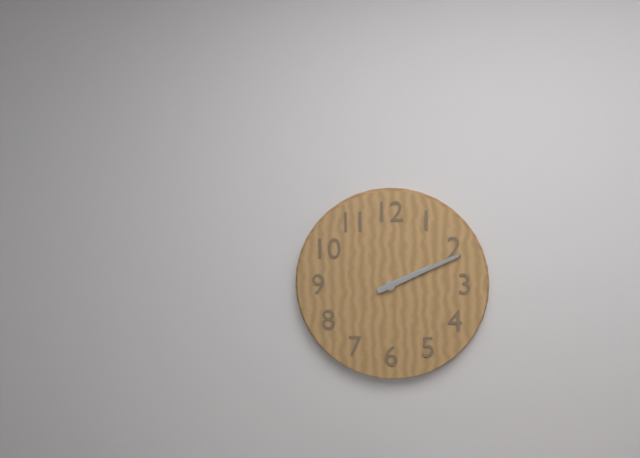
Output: 2h11
